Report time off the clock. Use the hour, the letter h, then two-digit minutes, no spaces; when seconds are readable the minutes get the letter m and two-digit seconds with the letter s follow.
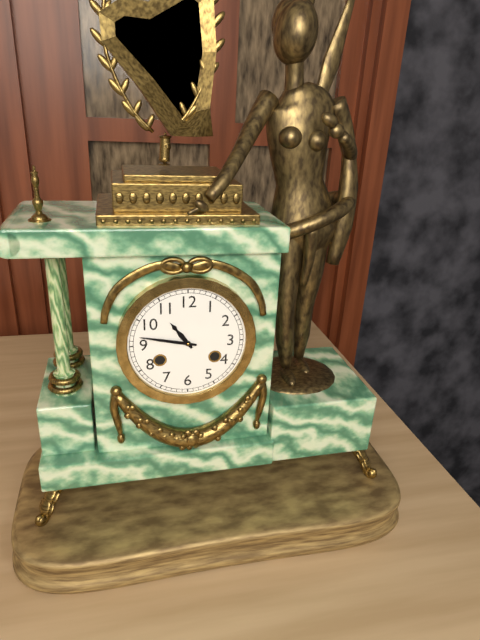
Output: 10h47
